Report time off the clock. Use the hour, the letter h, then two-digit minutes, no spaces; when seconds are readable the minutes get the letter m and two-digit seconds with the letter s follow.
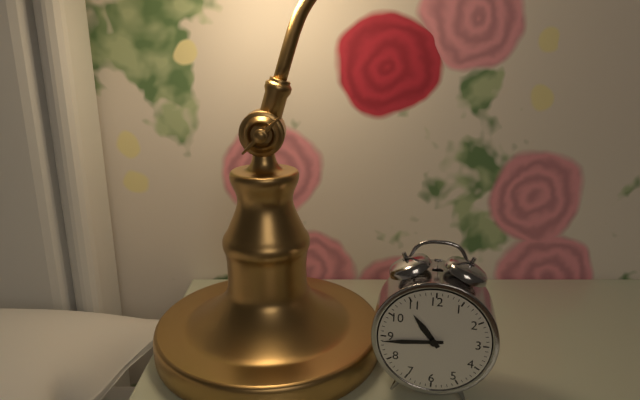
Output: 10h44
